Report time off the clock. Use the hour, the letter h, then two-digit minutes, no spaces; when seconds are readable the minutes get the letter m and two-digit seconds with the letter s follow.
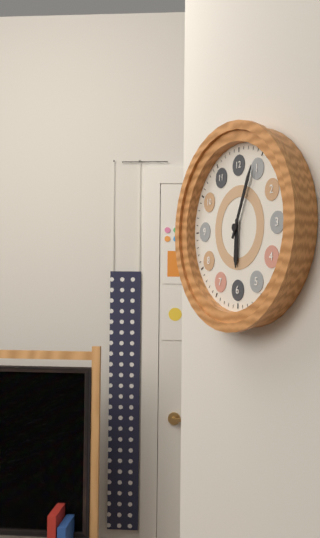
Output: 6h04
